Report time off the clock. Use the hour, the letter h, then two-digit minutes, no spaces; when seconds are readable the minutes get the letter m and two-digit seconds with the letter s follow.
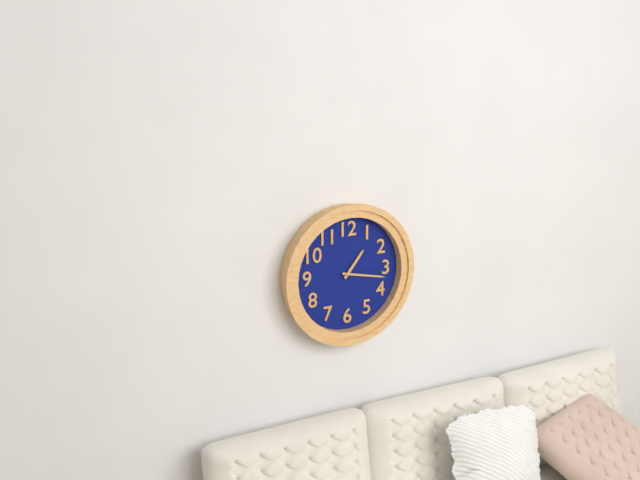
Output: 1h17
